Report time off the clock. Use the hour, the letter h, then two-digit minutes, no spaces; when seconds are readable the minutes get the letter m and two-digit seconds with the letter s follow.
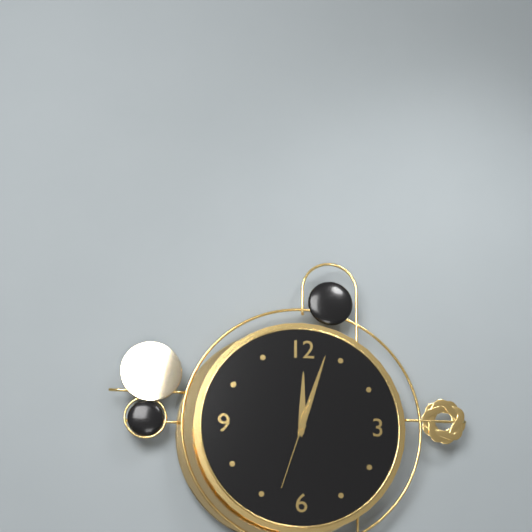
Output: 12h03m33s
